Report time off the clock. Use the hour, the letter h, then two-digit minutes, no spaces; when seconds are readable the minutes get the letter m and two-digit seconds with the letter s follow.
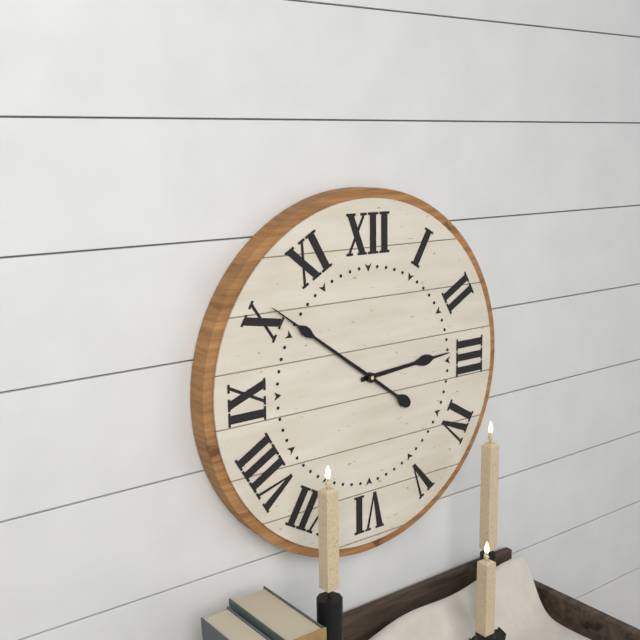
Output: 2h51
